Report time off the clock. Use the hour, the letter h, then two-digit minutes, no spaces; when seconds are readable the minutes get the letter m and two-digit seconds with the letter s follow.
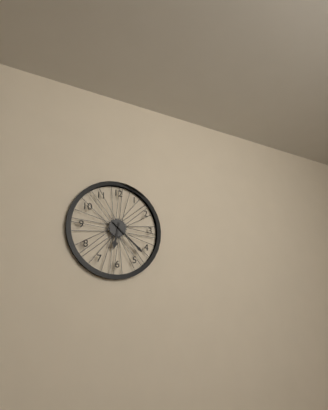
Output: 6h22
